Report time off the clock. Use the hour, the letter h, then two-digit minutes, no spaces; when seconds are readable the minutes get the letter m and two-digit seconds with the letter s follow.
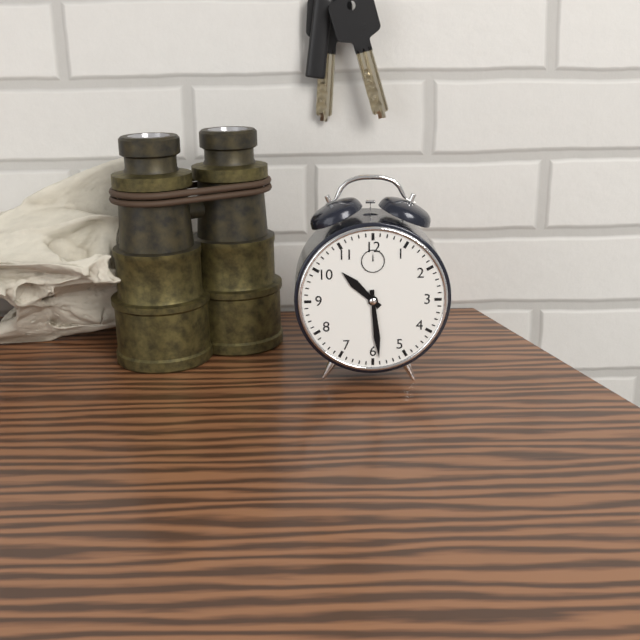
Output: 10h29
